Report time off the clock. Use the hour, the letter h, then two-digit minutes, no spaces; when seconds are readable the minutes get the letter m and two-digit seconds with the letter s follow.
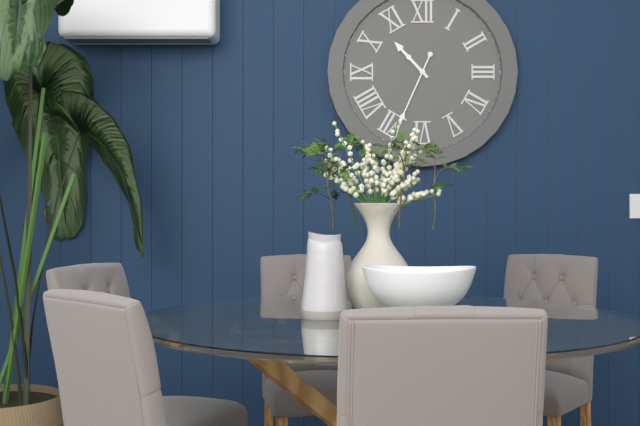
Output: 10h34
